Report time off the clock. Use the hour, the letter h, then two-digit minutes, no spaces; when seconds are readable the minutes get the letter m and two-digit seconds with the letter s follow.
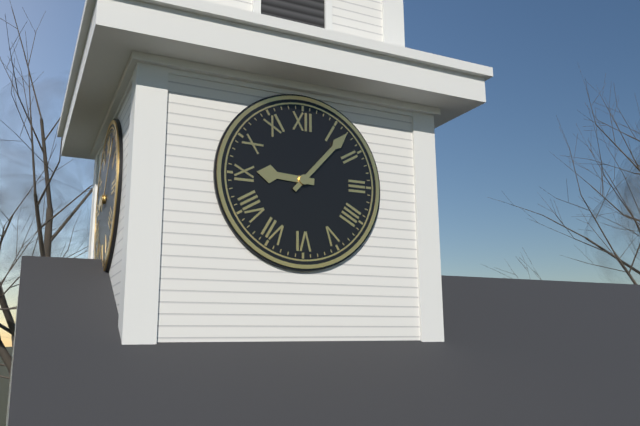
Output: 9h07
